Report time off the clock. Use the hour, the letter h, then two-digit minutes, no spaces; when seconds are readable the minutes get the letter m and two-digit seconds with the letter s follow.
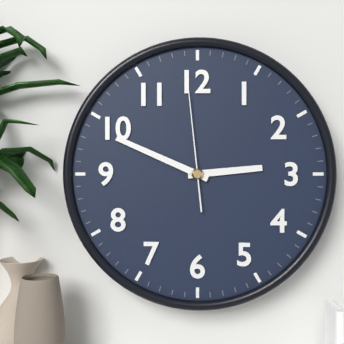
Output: 2h49m59s
